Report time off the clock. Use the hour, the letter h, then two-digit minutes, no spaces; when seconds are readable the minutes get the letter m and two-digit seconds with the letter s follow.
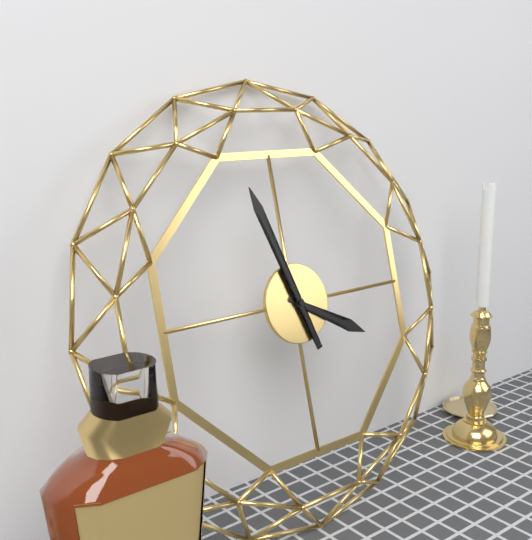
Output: 3h57
